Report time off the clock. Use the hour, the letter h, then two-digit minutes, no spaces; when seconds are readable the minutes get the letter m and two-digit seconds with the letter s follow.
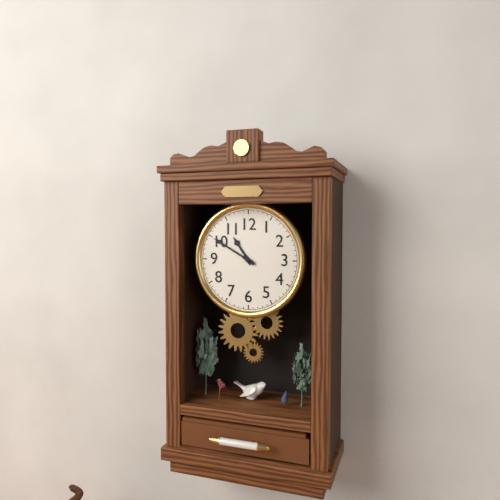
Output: 10h50
